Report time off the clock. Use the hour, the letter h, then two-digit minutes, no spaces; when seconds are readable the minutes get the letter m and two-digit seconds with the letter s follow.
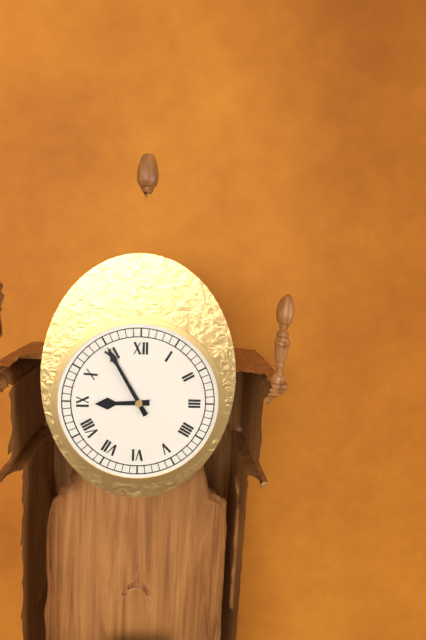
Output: 8h55
